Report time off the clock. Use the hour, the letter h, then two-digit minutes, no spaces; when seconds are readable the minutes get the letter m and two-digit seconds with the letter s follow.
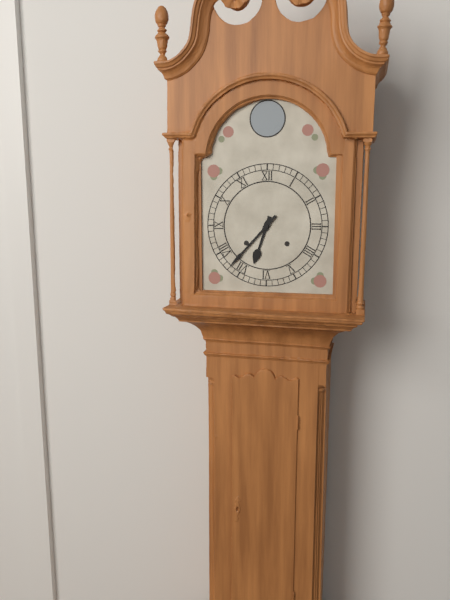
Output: 6h37
